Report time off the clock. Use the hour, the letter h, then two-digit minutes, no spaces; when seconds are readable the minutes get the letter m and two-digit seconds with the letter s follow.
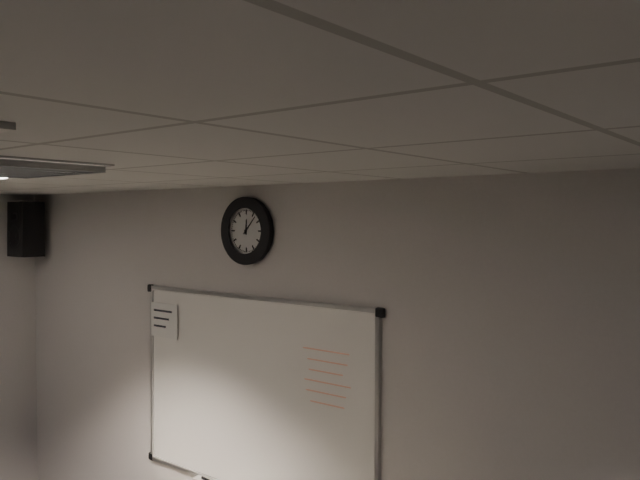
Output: 12h07
